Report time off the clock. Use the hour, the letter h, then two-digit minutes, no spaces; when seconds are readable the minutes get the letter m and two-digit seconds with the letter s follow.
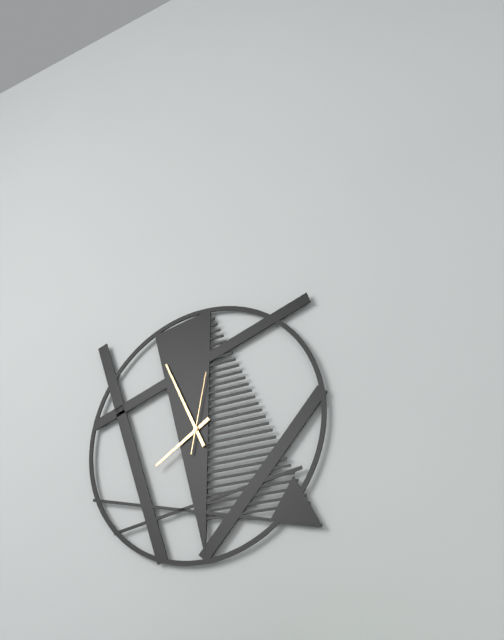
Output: 7h56m02s
